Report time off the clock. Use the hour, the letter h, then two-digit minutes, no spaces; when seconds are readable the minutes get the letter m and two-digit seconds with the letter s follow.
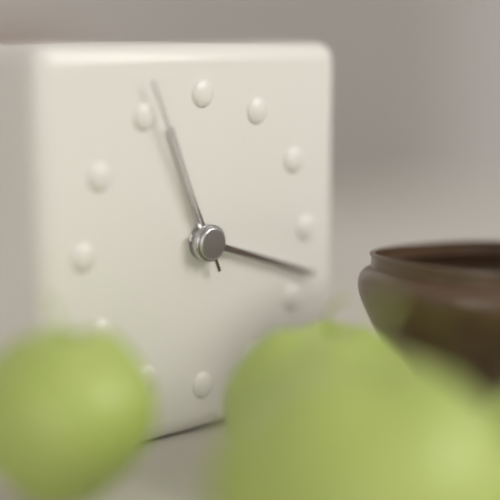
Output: 11h18m56s
